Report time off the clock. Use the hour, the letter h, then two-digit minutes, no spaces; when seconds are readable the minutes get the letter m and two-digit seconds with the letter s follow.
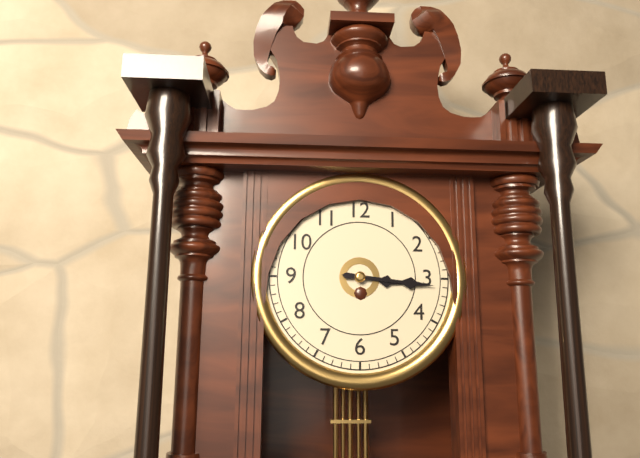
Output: 3h16
